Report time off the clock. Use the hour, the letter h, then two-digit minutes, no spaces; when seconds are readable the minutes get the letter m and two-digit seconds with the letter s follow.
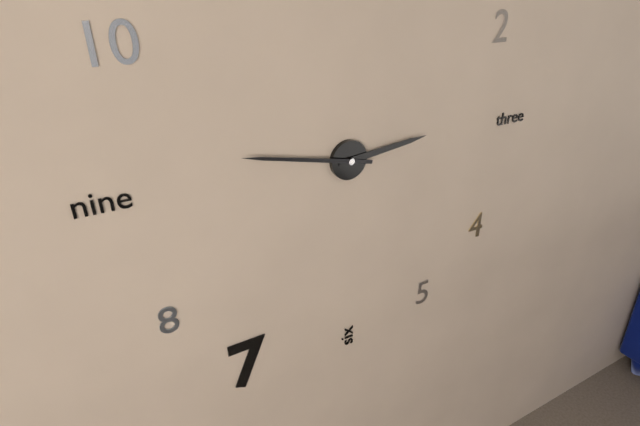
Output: 2h47
